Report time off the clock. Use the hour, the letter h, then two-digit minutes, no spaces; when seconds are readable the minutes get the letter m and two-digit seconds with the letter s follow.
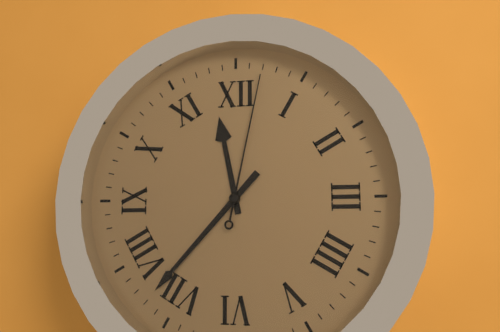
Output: 11h37m02s
